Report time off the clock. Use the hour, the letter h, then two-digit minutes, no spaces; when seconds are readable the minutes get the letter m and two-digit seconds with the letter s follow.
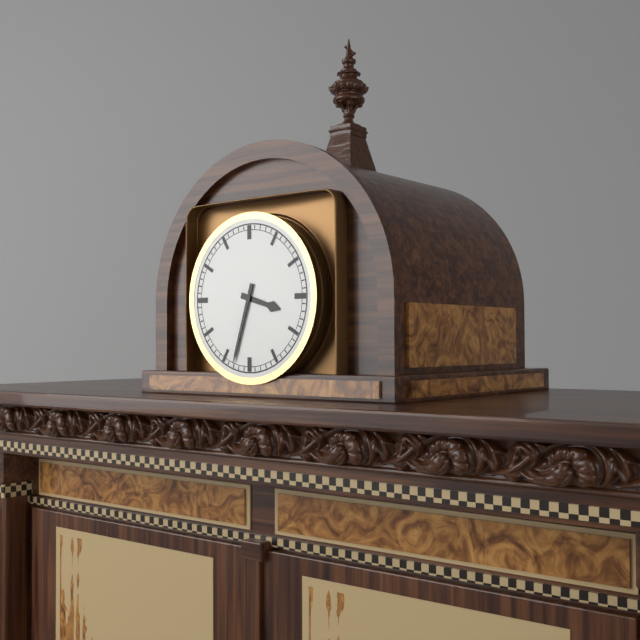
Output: 3h33
